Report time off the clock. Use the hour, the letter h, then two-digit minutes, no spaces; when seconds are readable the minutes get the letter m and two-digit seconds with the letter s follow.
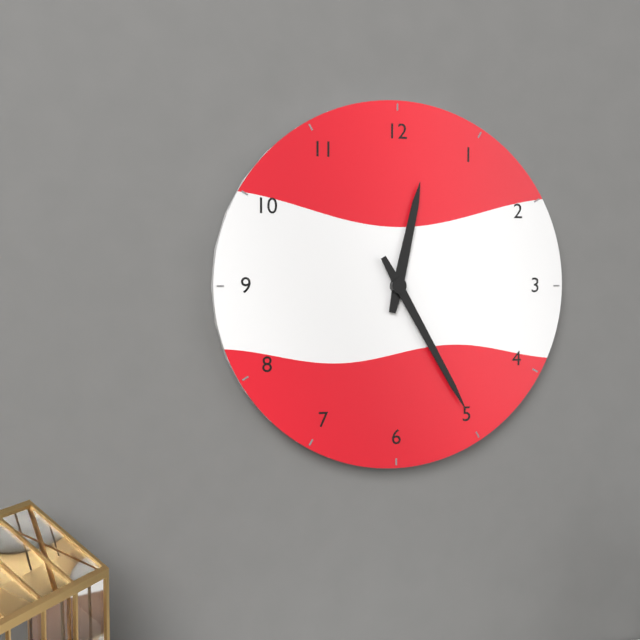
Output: 12h25
